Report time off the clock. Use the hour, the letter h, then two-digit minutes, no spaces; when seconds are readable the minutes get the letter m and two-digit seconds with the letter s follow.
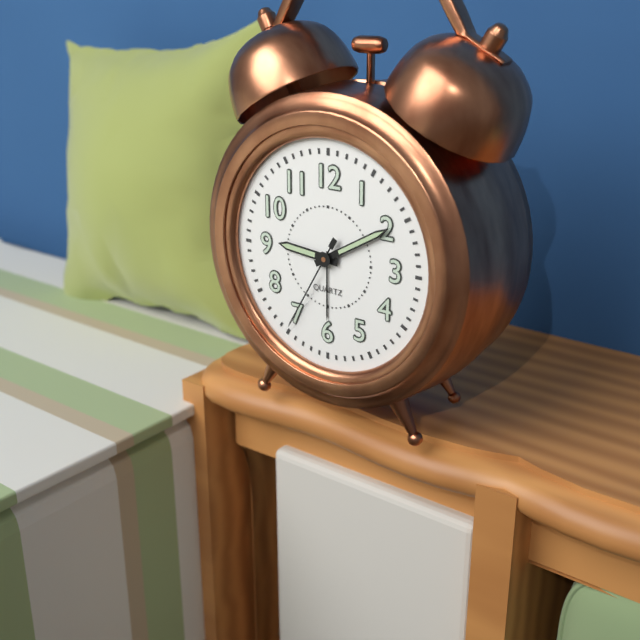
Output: 9h10m35s
